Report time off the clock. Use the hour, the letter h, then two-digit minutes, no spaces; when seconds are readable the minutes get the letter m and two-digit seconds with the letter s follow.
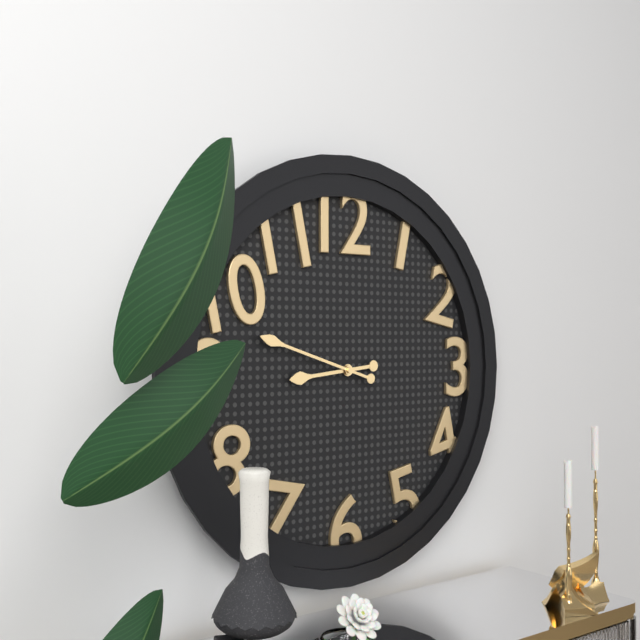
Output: 8h48
